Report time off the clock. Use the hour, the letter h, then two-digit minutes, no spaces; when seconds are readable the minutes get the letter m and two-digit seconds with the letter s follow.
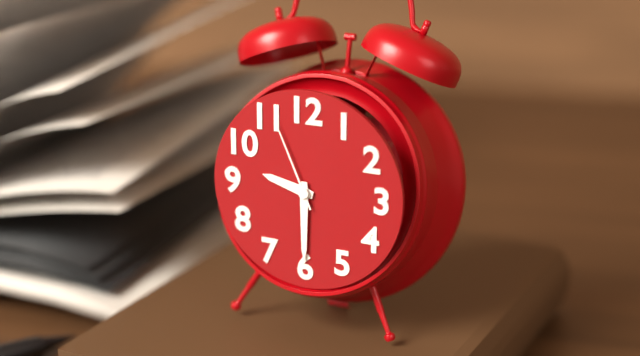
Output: 9h30m56s
